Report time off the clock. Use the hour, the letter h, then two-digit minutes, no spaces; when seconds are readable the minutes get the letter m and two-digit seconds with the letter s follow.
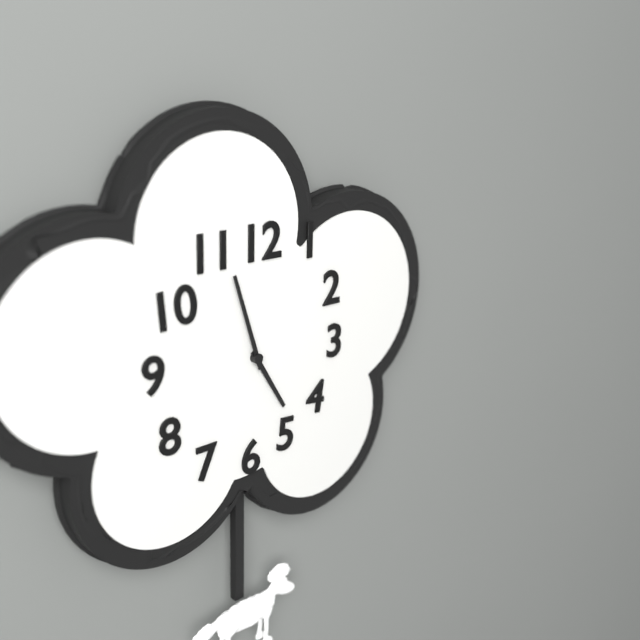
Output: 4h57
